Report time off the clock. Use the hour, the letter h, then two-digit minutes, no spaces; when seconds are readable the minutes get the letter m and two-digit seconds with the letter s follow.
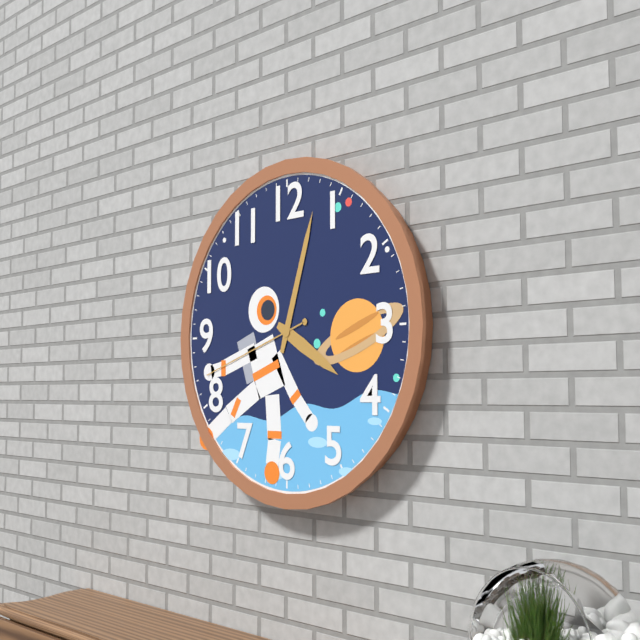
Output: 4h03m42s
